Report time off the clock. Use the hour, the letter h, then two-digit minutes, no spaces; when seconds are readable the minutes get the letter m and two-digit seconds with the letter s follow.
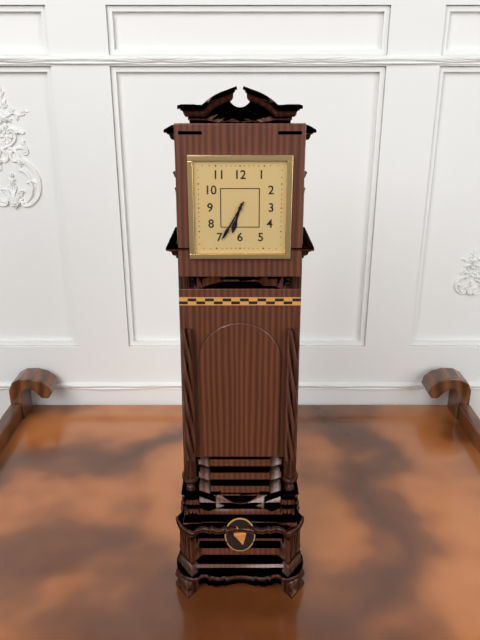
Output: 6h35
